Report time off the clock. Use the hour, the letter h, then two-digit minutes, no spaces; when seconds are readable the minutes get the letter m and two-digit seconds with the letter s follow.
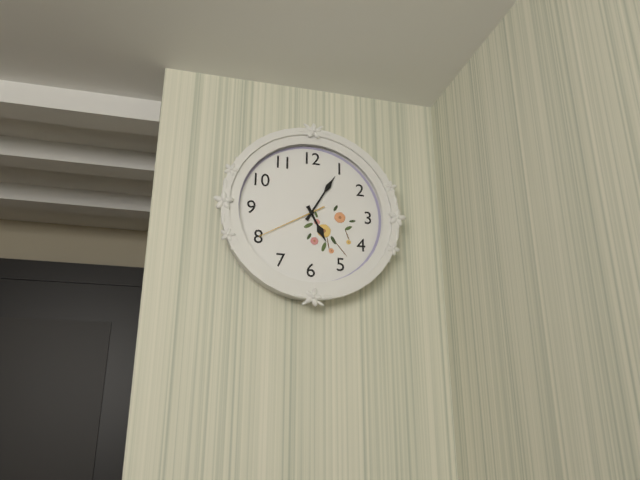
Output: 5h05m40s
